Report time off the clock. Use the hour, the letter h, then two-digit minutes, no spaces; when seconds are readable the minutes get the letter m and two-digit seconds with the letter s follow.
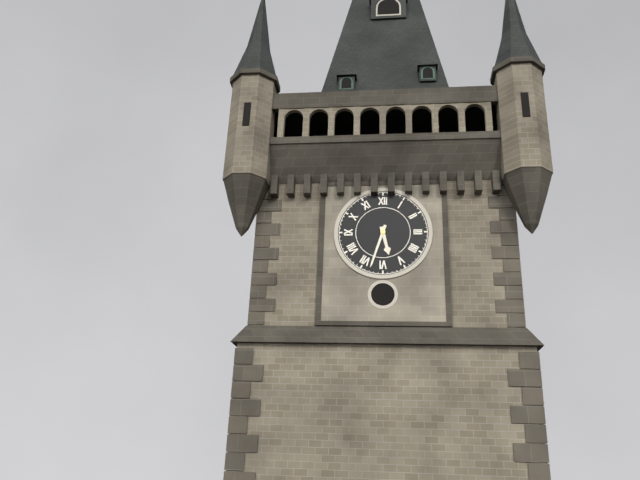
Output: 5h33
